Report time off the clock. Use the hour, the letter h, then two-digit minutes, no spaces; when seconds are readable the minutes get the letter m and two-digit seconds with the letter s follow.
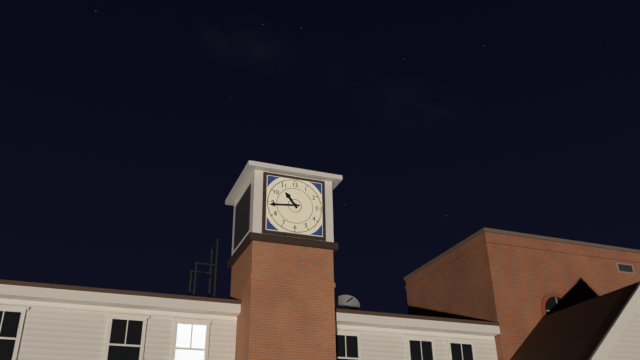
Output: 10h44
